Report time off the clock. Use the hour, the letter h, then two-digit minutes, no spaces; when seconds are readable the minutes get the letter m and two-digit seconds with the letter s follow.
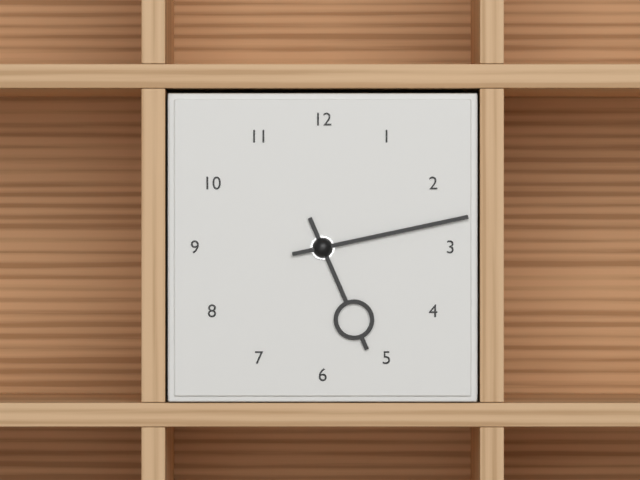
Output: 5h13
